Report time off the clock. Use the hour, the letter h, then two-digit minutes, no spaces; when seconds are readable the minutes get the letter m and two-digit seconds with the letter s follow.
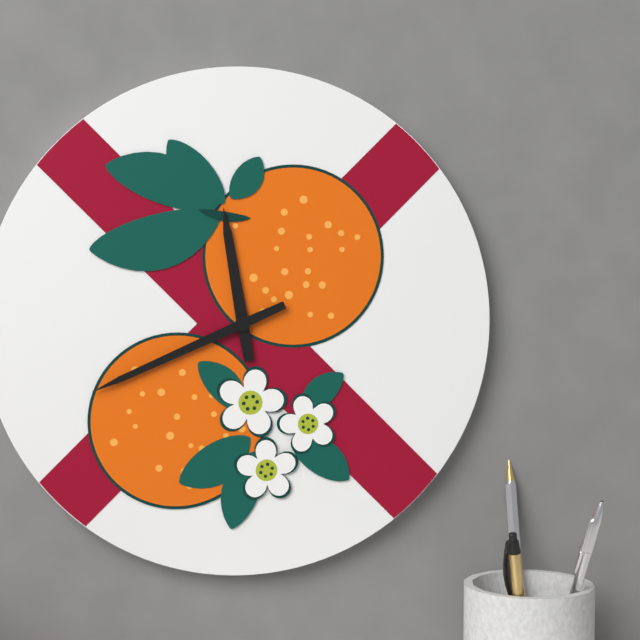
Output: 11h41
